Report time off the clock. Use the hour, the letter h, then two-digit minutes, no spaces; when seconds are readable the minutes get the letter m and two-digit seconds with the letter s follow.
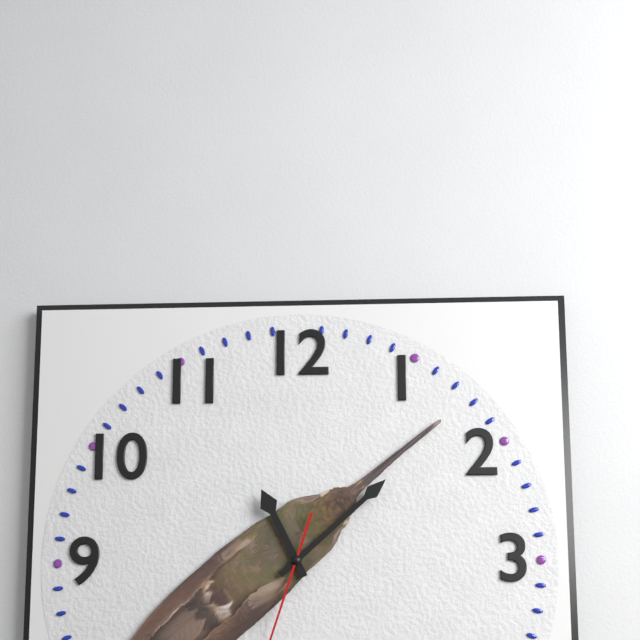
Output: 11h08
